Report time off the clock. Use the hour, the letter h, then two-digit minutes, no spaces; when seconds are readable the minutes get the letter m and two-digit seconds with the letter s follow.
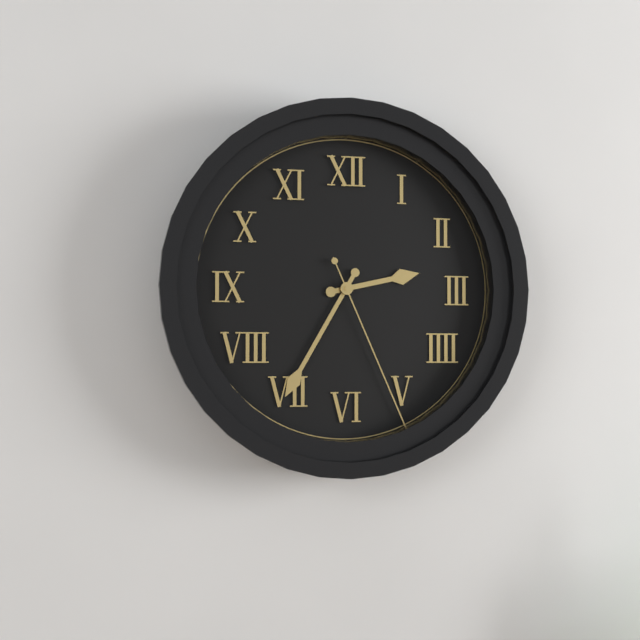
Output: 2h35m26s
